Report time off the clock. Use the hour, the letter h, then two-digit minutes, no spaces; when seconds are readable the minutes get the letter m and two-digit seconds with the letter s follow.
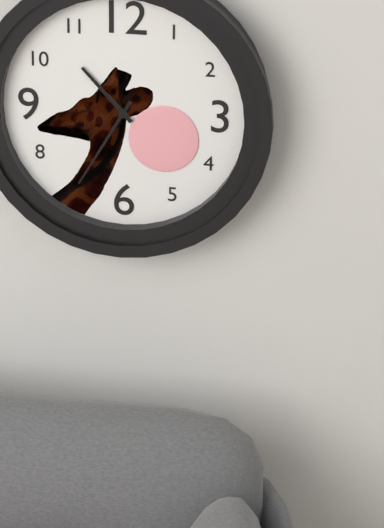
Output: 10h35
